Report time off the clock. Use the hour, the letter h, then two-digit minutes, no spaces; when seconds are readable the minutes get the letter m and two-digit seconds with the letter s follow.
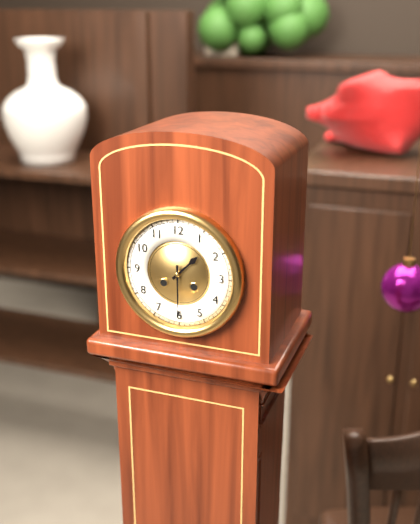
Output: 1h30
